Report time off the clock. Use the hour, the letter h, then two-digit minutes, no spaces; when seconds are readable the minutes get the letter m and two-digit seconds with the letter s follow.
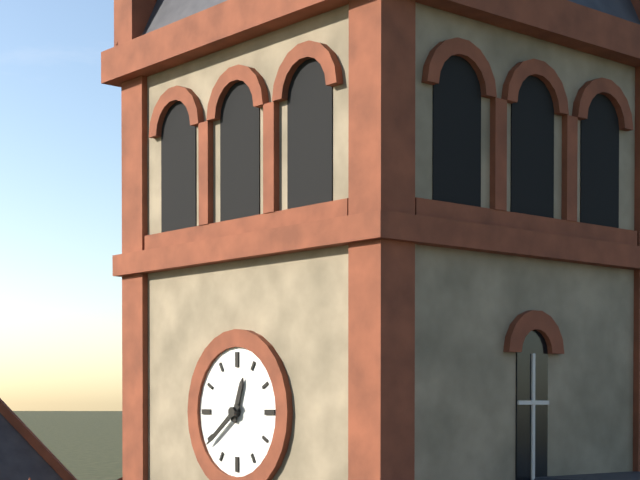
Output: 12h39
